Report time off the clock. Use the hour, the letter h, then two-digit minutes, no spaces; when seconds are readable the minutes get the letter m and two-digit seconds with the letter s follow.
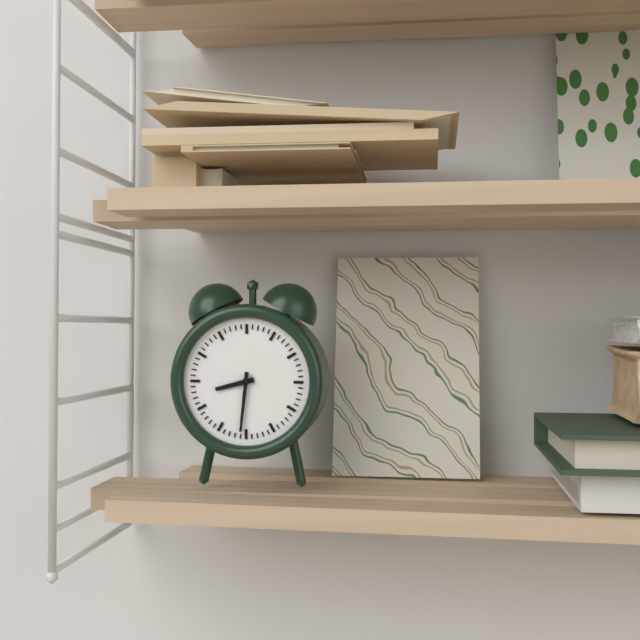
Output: 8h31
